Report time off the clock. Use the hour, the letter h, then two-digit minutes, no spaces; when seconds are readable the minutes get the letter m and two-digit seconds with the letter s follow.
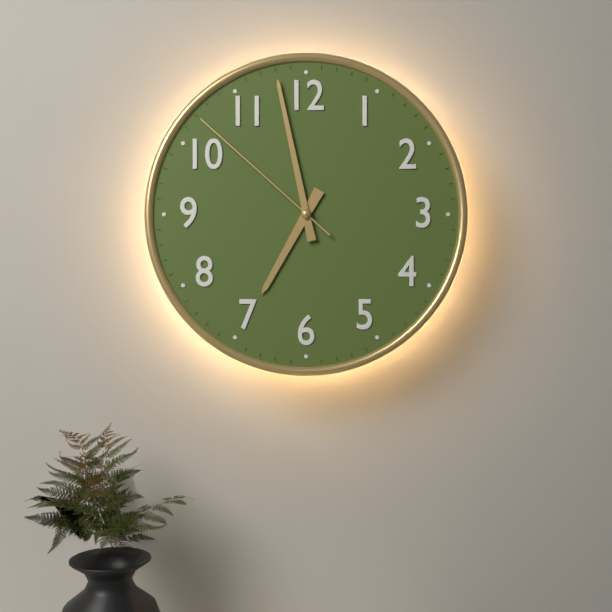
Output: 6h58m52s
